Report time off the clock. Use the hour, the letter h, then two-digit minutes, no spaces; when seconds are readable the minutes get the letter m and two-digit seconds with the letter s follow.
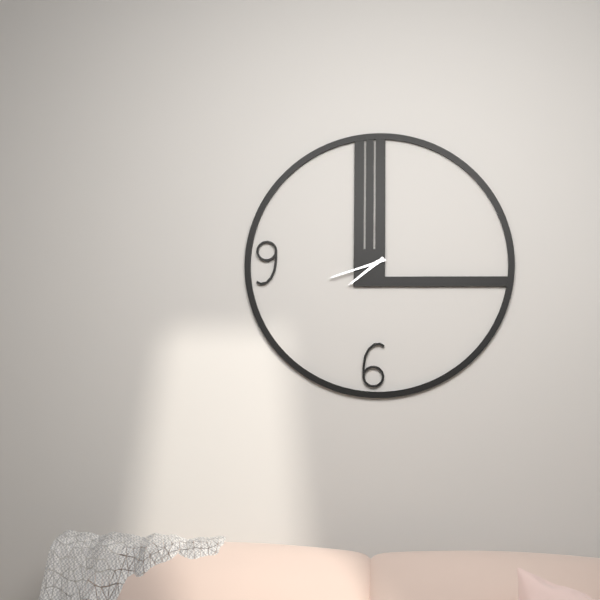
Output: 7h42
